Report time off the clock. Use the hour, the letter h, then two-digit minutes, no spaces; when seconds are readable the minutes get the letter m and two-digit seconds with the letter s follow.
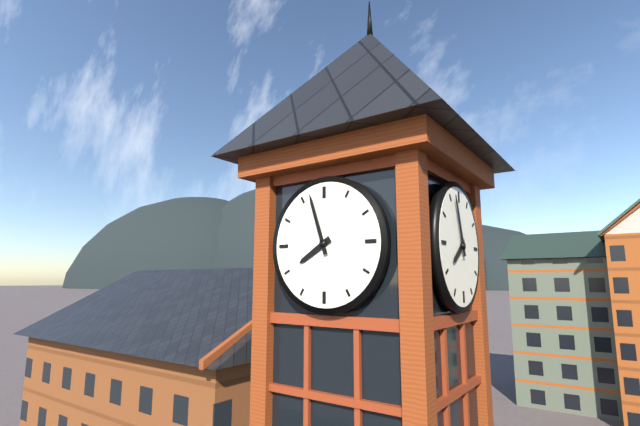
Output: 7h57
